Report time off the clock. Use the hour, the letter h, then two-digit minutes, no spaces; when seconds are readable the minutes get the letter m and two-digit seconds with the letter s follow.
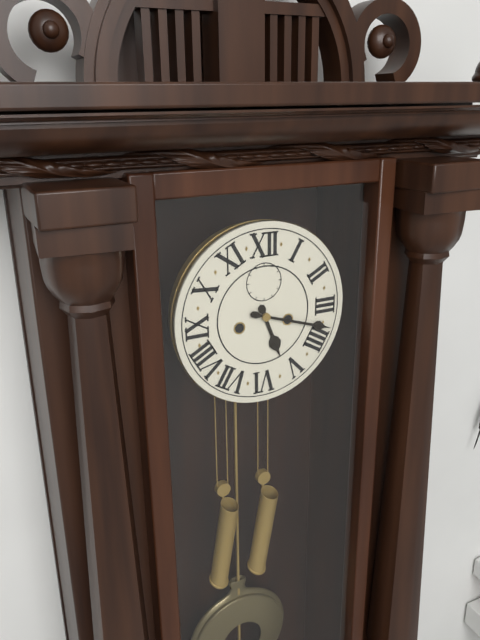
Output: 5h18
